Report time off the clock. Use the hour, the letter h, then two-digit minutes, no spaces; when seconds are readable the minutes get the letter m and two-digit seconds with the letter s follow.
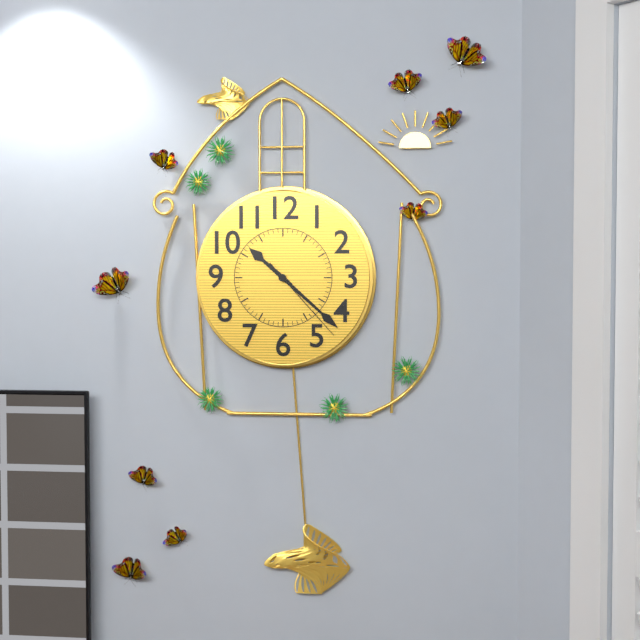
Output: 10h22m23s
